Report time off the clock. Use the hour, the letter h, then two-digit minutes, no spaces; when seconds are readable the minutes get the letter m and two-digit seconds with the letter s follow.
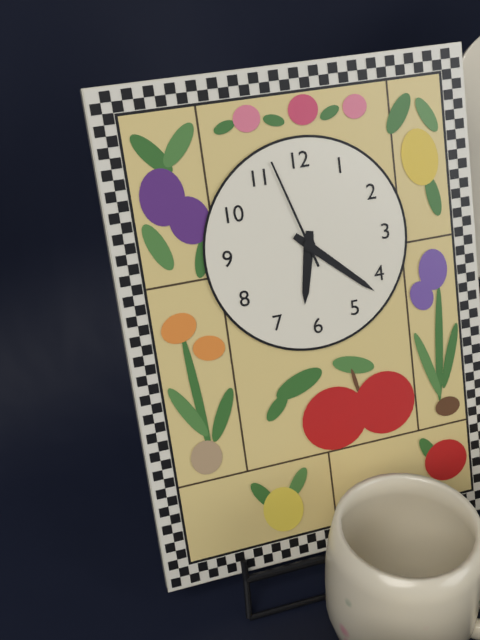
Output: 6h22m57s
